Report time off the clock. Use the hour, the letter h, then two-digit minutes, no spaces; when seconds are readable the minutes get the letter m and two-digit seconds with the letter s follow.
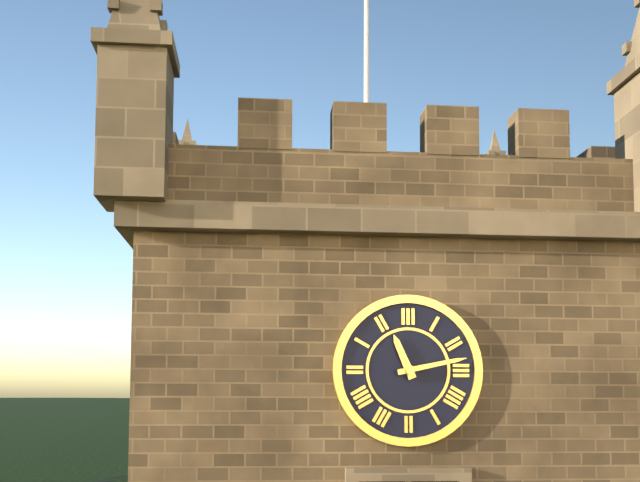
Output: 11h13
